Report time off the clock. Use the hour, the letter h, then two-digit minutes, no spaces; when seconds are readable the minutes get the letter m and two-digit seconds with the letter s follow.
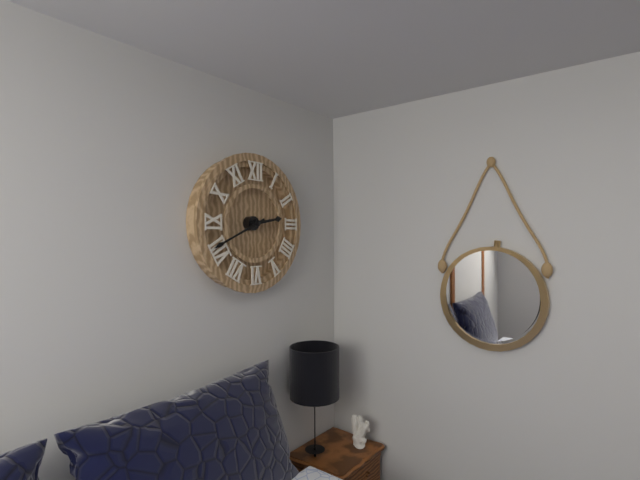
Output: 2h41
